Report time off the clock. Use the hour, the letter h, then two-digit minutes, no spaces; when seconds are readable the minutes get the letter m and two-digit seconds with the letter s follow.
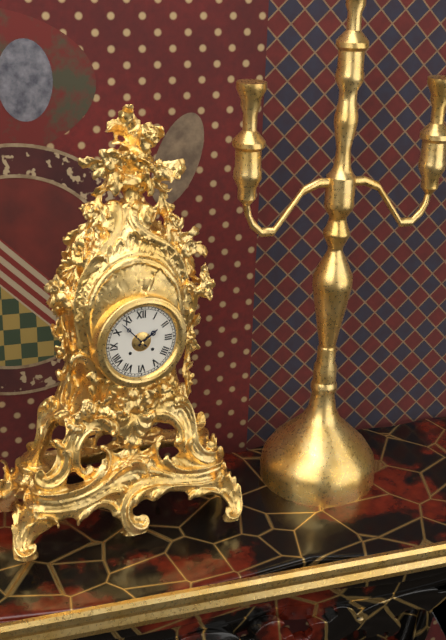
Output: 1h53
